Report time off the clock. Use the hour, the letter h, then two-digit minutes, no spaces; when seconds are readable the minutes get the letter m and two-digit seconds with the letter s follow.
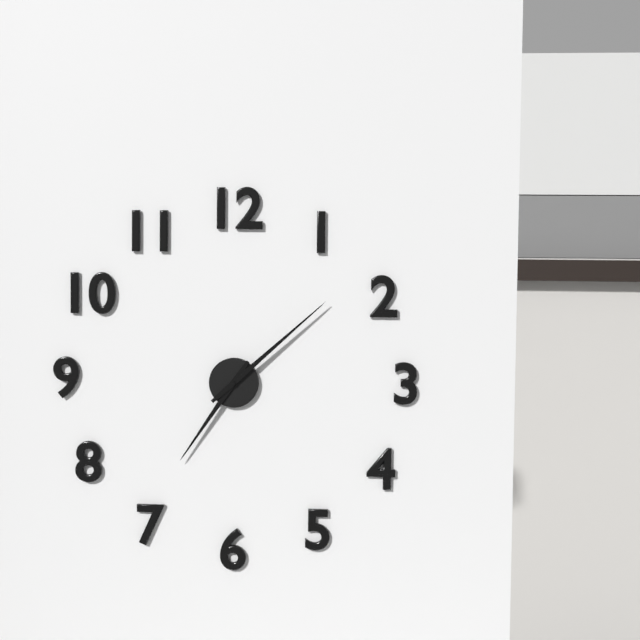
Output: 7h08
